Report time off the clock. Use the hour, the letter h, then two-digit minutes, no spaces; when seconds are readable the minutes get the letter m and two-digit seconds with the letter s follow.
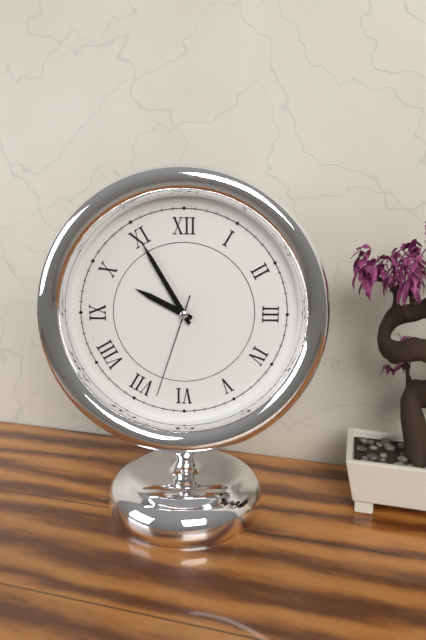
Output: 9h55m33s
